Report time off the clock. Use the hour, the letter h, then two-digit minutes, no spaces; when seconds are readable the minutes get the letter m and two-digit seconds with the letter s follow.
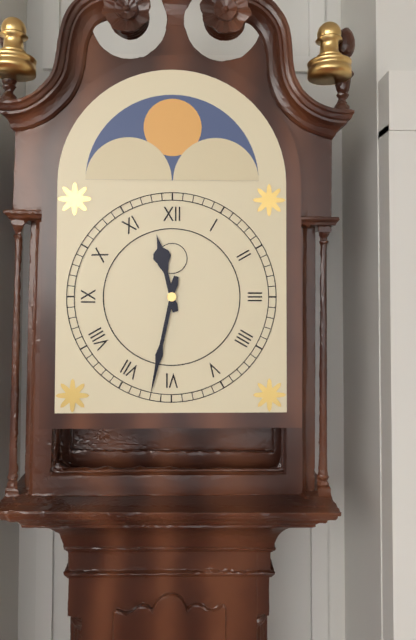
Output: 11h32
